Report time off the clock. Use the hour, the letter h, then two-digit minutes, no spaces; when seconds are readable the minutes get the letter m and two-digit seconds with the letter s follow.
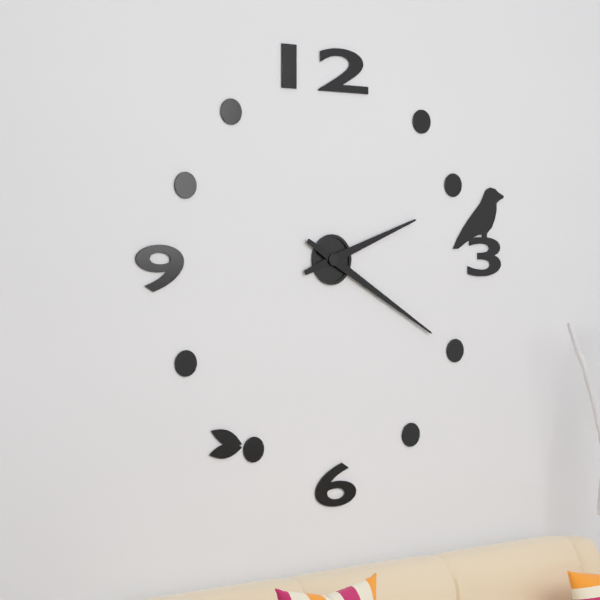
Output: 2h20
